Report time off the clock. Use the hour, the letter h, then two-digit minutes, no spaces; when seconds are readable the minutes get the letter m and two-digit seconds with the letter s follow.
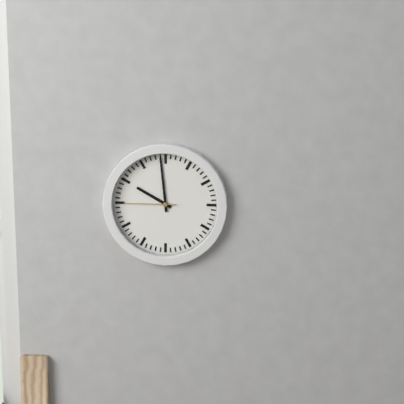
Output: 9h59m45s
